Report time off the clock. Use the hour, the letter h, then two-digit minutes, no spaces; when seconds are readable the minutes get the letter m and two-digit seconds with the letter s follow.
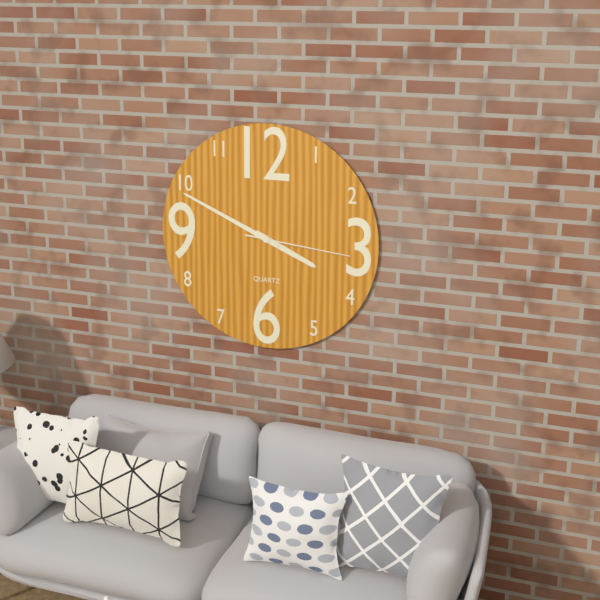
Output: 3h49m16s
